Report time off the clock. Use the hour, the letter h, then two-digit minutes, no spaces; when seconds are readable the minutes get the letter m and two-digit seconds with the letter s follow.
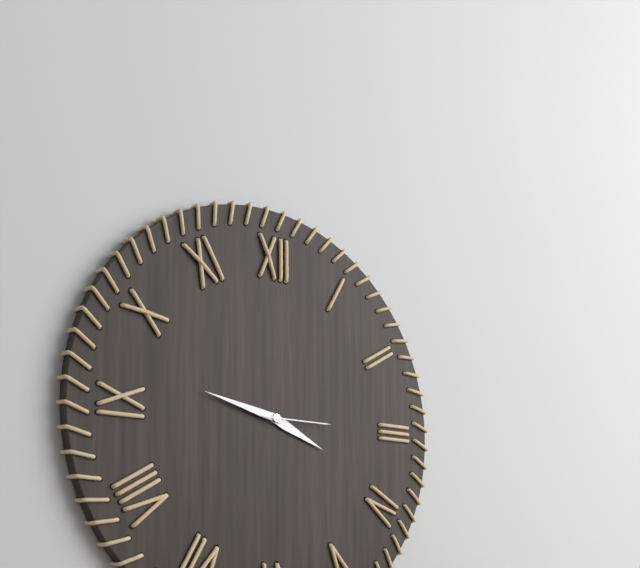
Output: 3h47m15s
